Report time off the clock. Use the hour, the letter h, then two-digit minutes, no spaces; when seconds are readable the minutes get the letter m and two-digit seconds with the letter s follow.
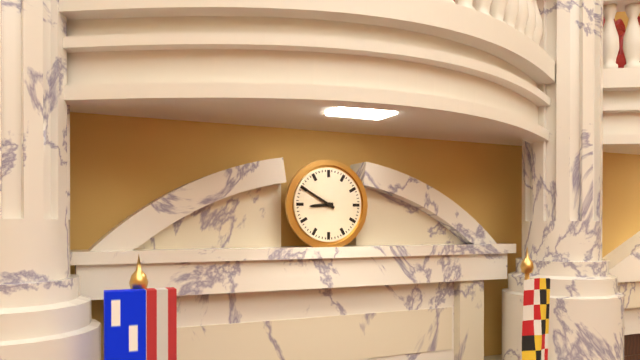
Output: 8h50
